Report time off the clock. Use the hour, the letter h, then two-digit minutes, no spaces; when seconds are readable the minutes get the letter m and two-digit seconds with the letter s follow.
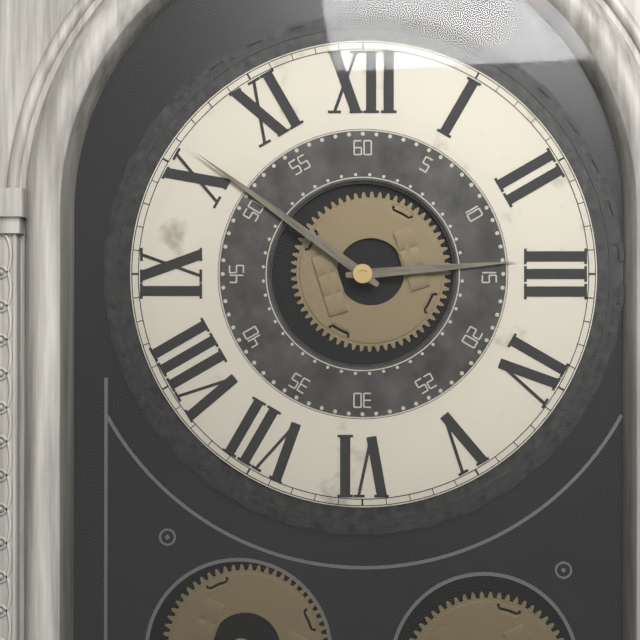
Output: 2h51
